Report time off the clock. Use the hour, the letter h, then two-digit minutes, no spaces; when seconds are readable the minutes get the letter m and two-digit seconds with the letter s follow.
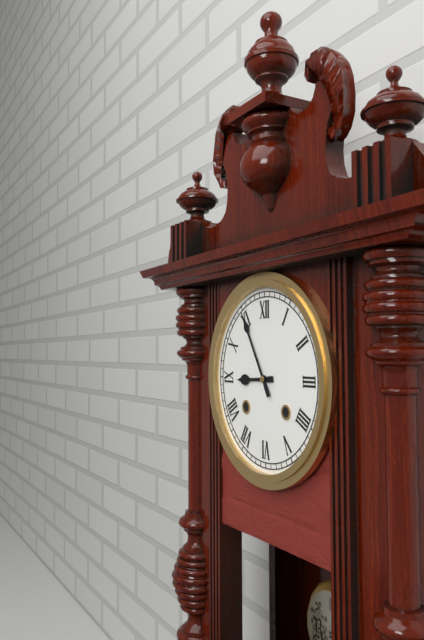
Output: 8h55
